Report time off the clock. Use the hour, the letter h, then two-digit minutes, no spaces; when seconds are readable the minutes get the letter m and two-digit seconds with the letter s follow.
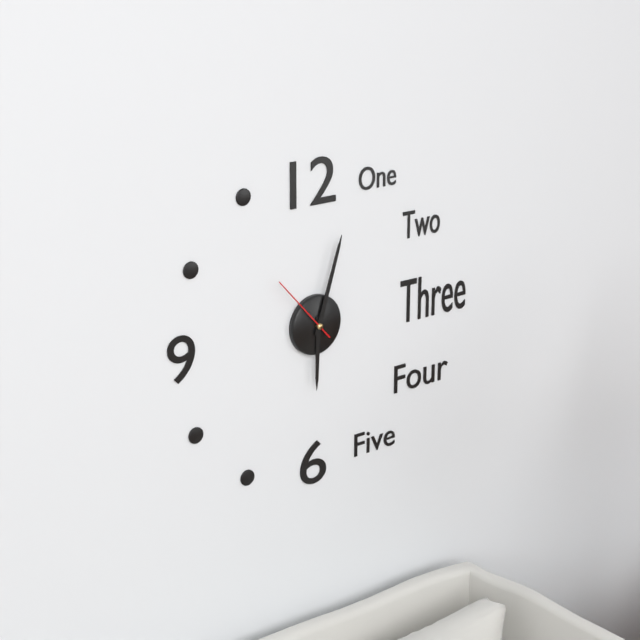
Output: 6h03m53s
